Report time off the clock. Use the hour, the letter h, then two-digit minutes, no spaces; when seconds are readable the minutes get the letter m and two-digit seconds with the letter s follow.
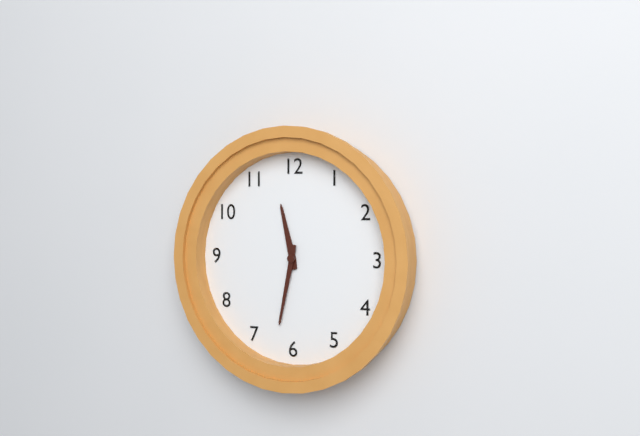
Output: 11h32
